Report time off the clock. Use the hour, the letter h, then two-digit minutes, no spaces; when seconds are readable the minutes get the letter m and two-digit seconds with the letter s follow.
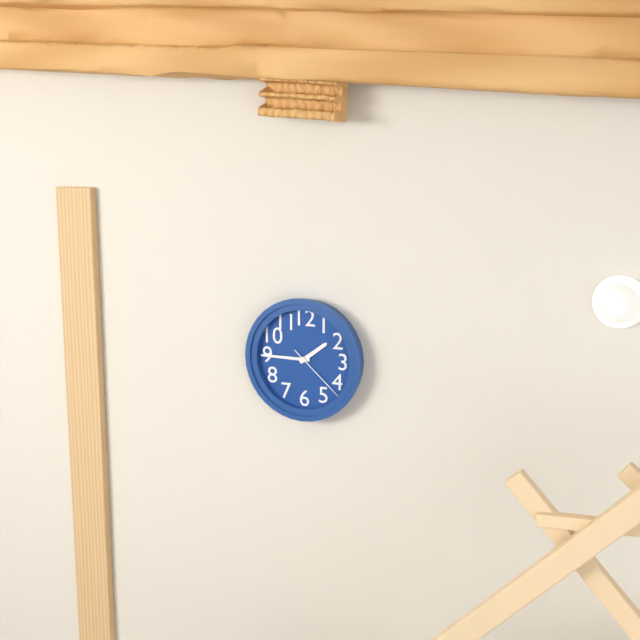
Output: 1h45m22s
